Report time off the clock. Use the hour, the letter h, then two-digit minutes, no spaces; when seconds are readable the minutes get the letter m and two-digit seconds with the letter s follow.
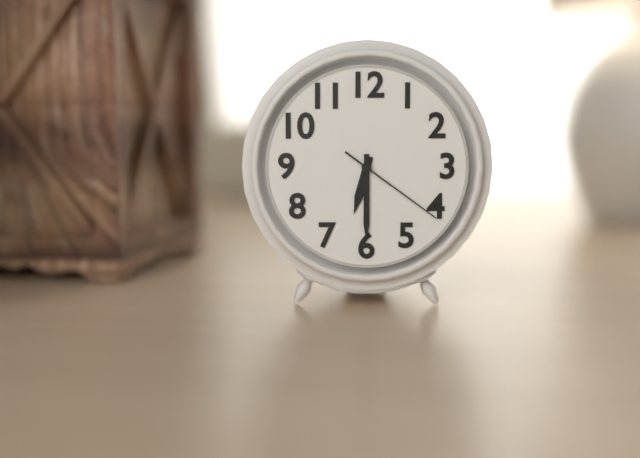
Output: 6h30m21s
